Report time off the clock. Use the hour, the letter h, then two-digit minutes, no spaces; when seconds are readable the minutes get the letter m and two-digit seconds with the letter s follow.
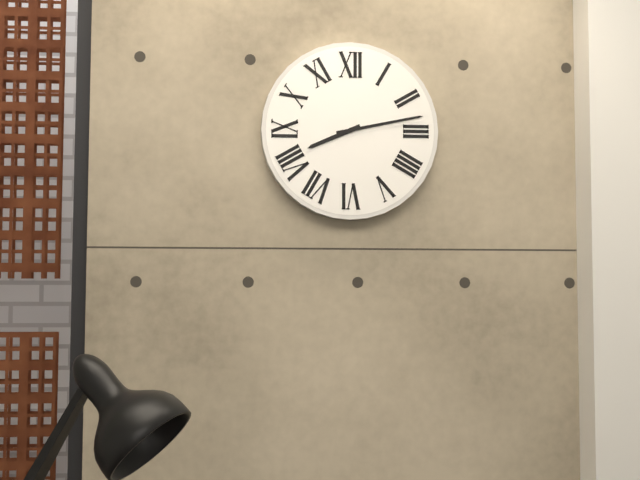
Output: 8h13
